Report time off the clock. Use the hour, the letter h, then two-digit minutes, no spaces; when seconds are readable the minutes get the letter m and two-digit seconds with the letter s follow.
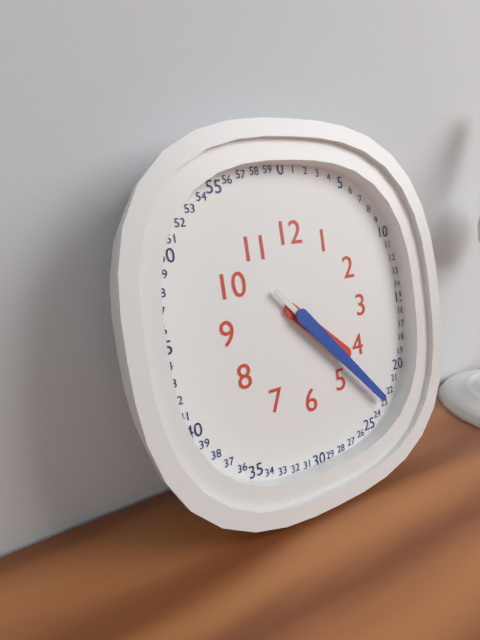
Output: 4h23m23s
